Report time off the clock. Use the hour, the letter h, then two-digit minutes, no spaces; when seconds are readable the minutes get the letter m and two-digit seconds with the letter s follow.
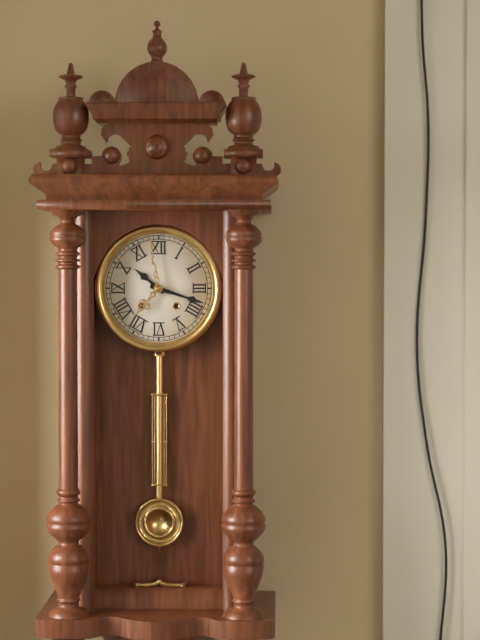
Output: 10h18
